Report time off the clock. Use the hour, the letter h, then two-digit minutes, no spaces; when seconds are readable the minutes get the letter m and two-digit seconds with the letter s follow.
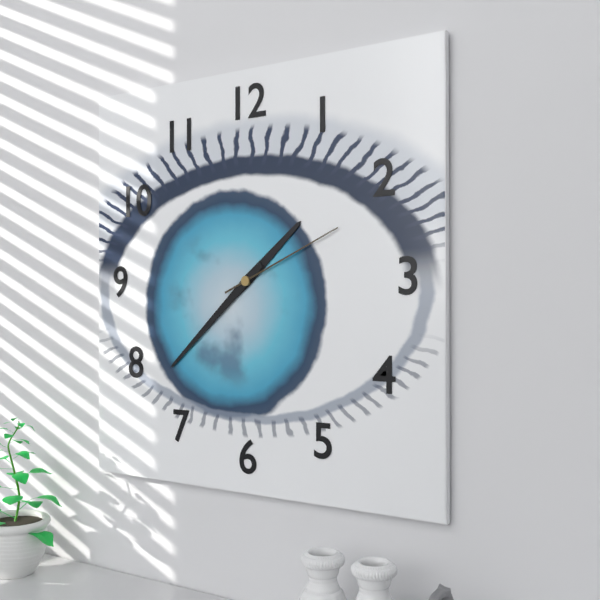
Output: 1h38m11s
